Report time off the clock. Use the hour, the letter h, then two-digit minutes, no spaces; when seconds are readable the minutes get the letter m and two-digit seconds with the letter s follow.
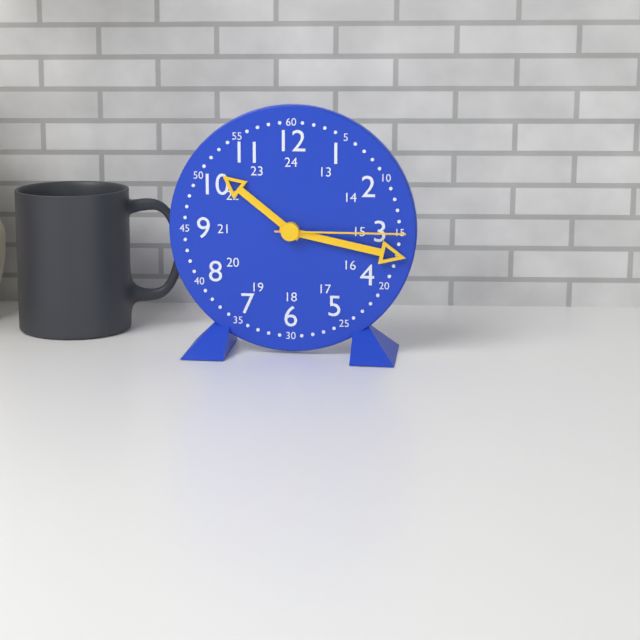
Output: 10h17m15s
